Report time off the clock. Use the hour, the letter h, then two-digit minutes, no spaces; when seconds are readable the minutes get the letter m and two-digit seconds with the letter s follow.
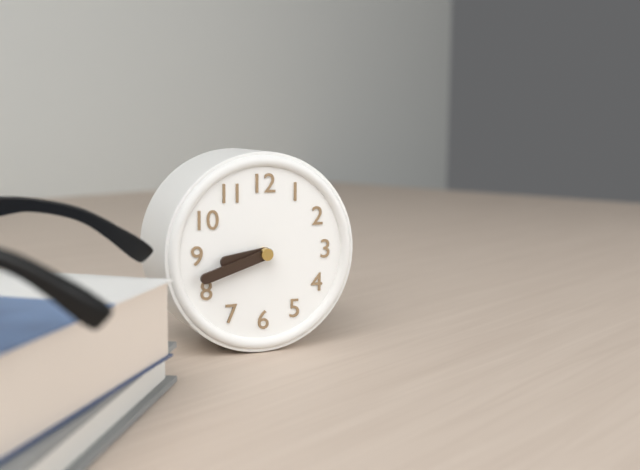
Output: 8h42
